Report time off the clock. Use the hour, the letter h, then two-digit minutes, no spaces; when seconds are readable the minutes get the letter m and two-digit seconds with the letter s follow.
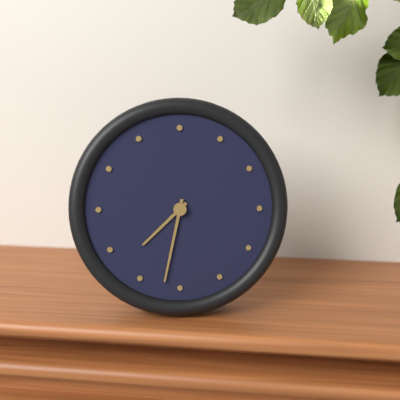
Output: 7h32
